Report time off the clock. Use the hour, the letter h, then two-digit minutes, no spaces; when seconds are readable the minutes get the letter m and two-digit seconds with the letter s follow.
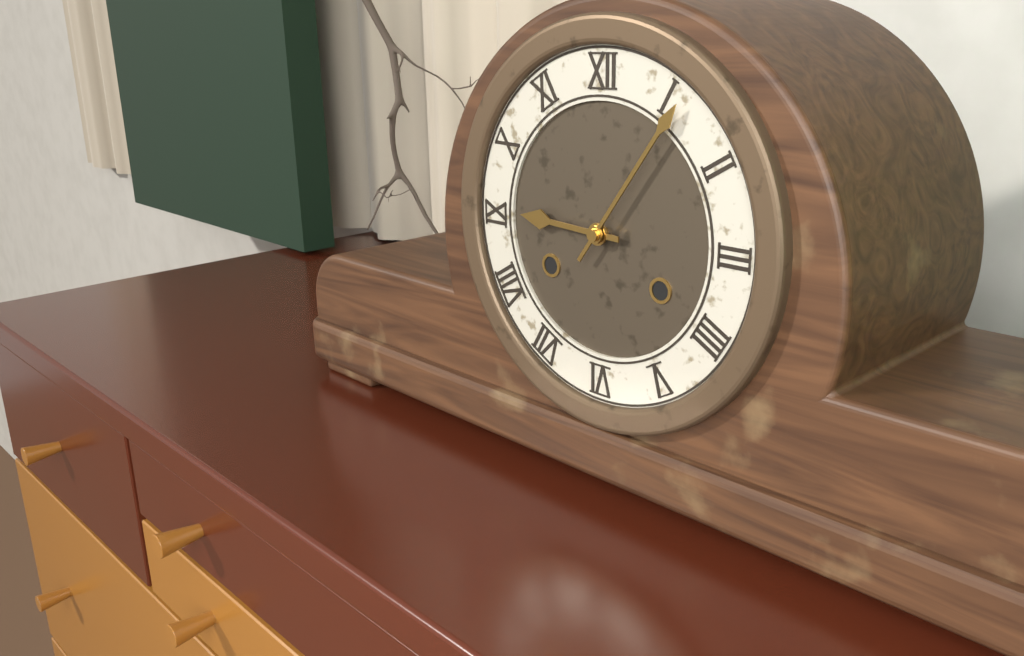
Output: 9h06
